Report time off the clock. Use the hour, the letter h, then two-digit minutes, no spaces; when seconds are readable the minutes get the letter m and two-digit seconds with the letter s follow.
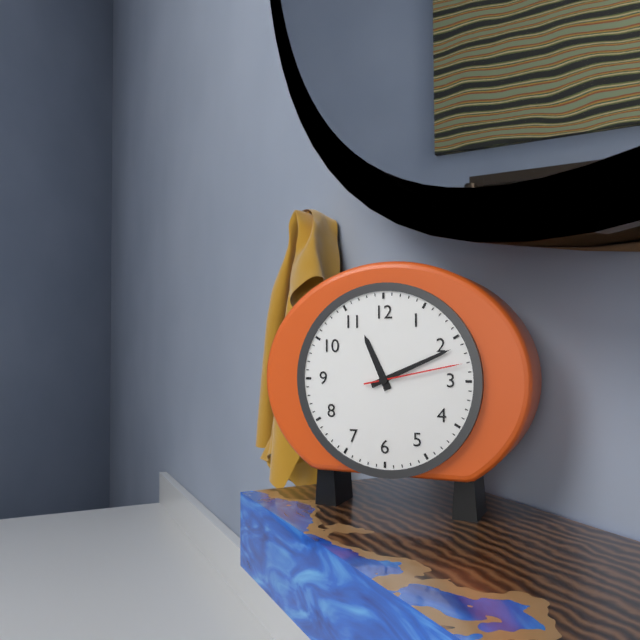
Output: 11h11m13s
